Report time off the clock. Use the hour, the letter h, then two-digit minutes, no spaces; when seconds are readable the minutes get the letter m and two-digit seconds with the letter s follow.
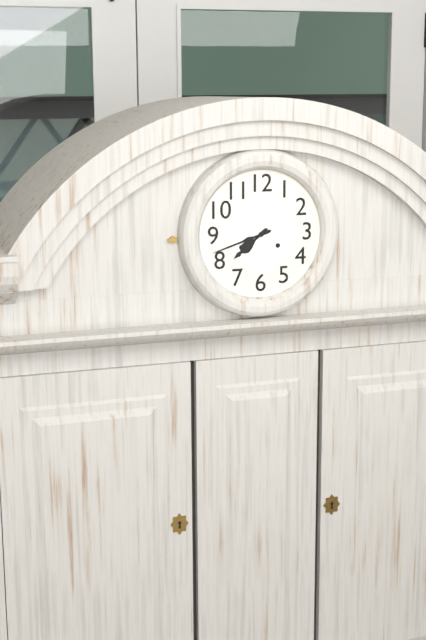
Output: 7h42
